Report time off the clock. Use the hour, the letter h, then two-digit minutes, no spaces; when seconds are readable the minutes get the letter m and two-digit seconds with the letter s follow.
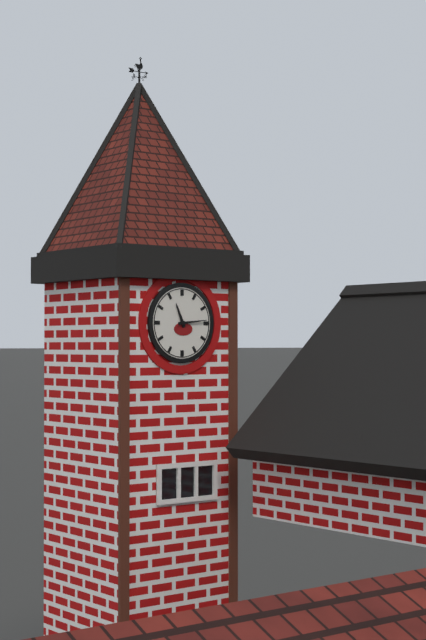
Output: 11h14
